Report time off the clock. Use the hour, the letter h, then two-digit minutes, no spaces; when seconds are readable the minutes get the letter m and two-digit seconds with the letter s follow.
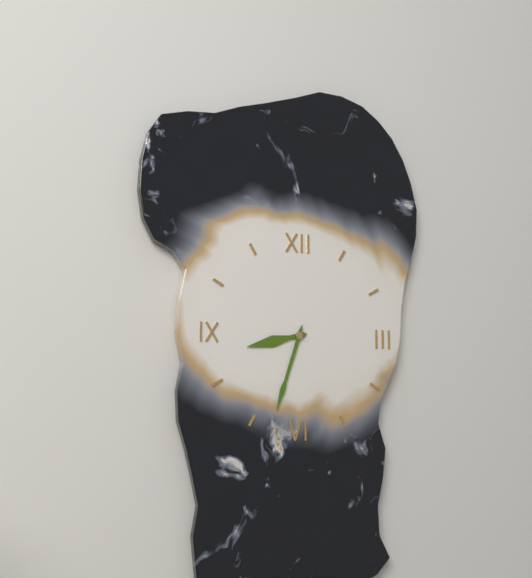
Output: 8h33
